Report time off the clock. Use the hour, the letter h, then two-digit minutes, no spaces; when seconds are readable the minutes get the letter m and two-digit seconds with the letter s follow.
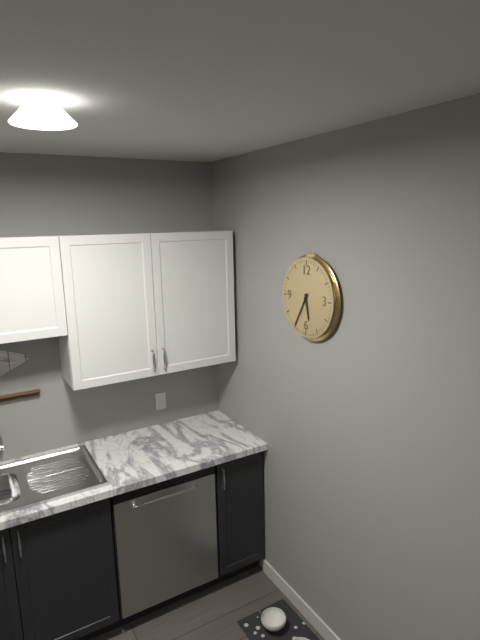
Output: 5h35
